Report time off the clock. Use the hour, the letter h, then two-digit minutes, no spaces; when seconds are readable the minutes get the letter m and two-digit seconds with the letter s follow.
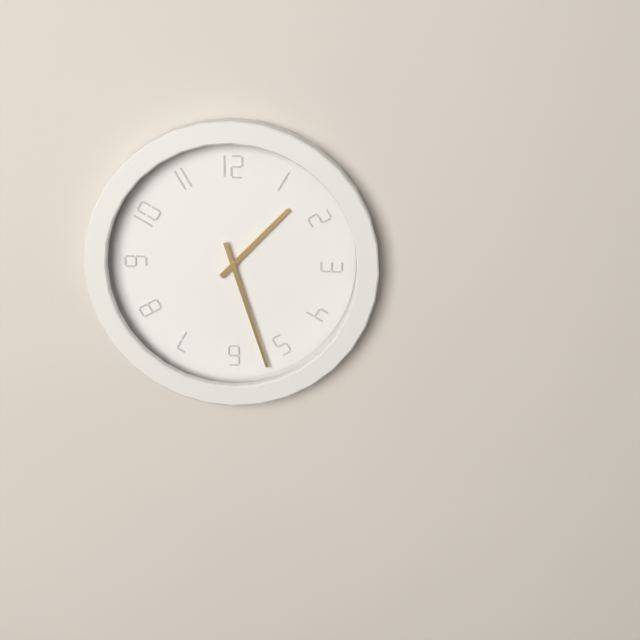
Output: 1h27
